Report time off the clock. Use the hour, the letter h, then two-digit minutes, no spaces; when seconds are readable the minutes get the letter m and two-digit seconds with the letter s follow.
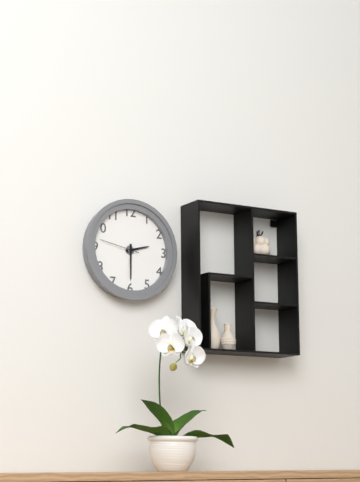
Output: 2h30
